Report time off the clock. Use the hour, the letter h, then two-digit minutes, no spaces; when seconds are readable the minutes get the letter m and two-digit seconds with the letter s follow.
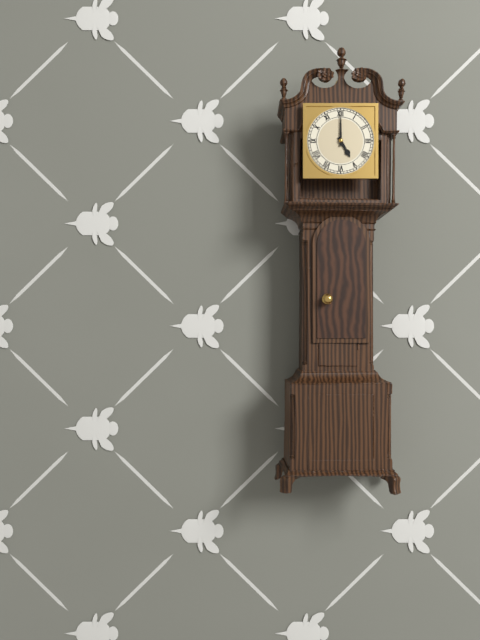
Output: 5h00
